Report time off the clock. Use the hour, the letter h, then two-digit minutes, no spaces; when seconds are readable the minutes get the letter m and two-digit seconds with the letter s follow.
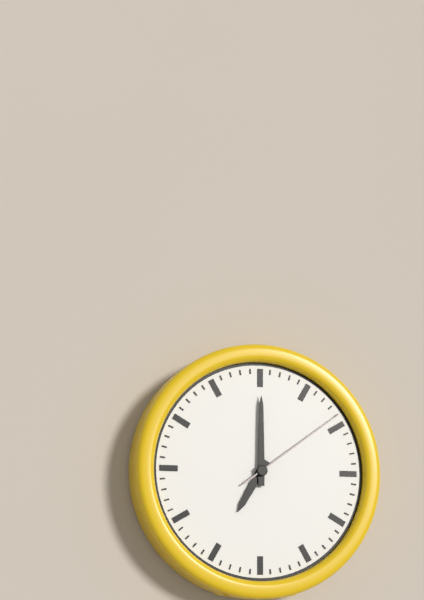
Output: 7h00m09s
